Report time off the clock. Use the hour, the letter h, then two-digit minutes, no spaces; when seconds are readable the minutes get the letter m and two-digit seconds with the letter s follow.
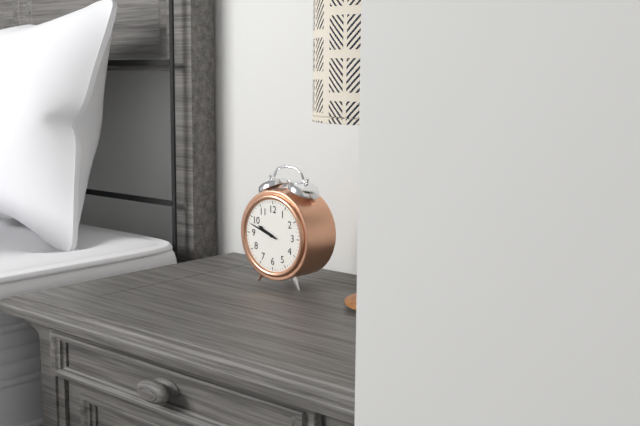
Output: 9h48
